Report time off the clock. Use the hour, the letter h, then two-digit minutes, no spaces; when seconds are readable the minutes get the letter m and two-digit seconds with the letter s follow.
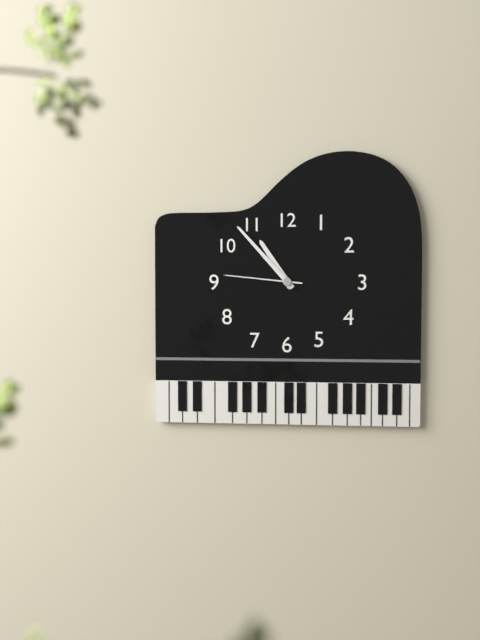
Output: 10h53m46s
